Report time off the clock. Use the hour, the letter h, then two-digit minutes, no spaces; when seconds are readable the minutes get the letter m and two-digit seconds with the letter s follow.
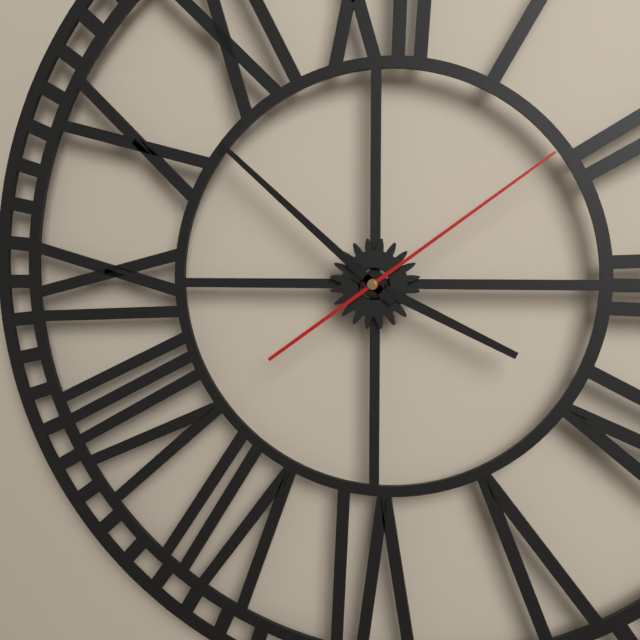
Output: 3h52m09s
